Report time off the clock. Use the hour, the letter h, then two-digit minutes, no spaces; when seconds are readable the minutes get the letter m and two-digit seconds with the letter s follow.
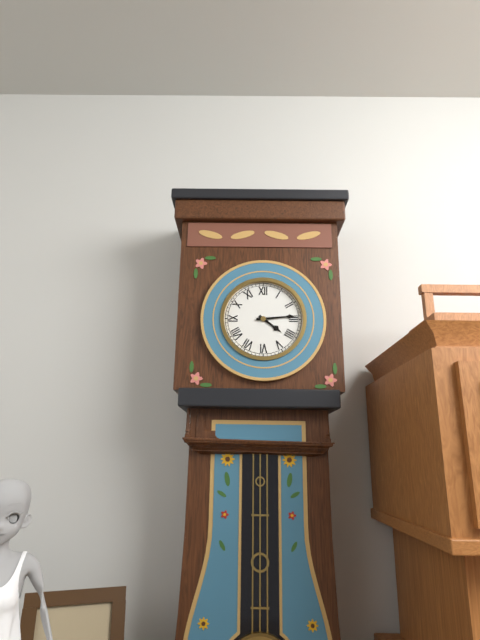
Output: 4h14
